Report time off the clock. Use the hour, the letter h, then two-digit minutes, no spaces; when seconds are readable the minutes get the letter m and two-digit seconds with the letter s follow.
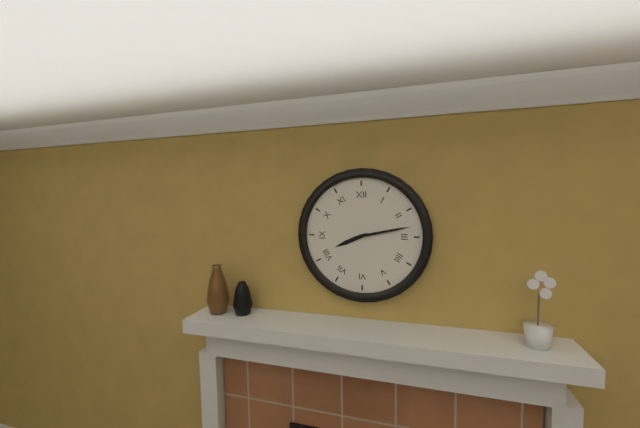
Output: 8h13
